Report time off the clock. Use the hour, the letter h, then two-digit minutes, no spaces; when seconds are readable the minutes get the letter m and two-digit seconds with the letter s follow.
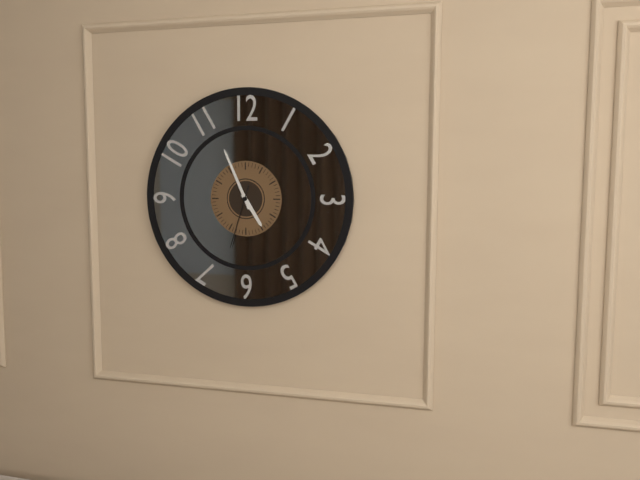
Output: 4h56m33s
